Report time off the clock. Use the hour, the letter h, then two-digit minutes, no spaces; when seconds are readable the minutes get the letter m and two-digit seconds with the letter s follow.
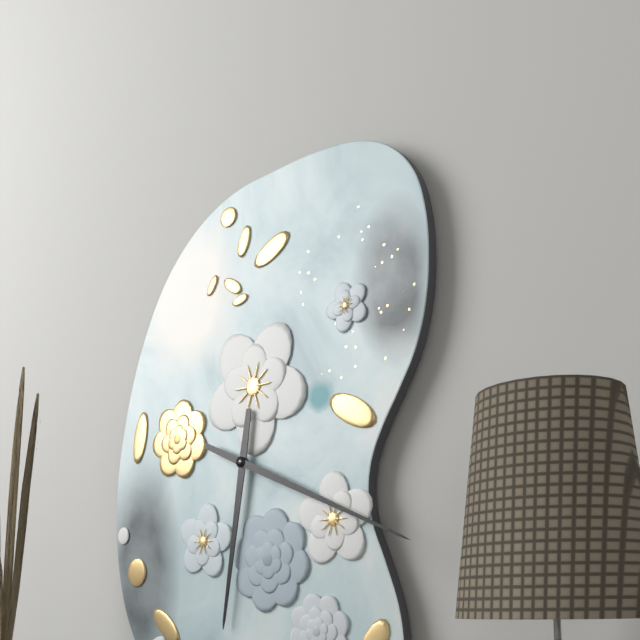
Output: 6h19
